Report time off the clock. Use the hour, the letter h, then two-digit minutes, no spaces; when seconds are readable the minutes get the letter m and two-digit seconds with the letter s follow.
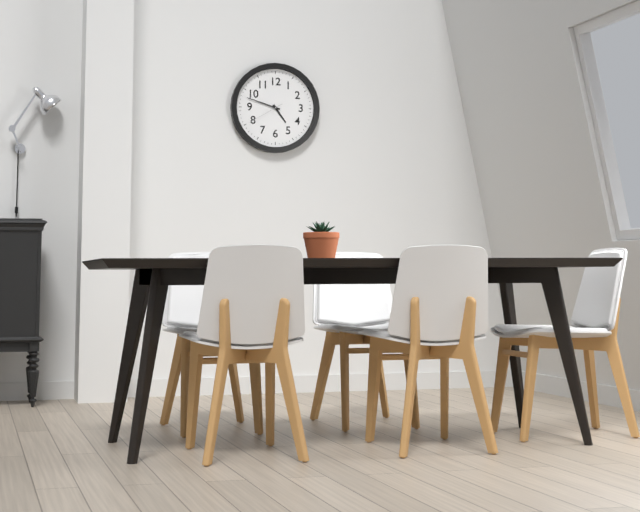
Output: 4h48
